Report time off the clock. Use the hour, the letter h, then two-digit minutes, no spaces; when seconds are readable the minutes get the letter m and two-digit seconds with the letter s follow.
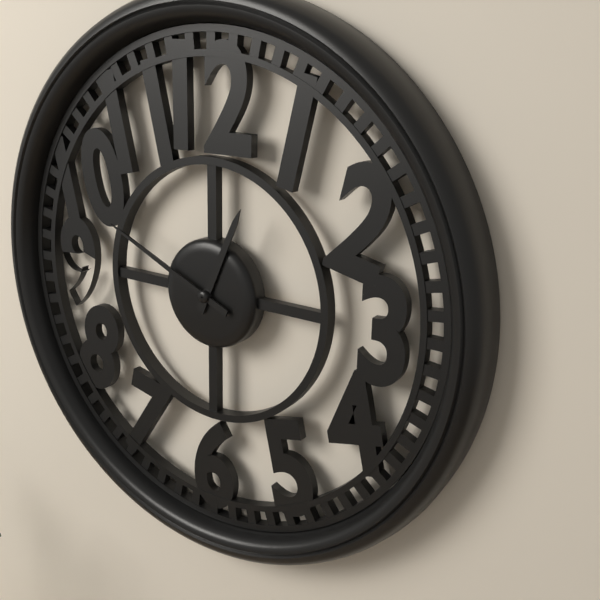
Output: 12h49
